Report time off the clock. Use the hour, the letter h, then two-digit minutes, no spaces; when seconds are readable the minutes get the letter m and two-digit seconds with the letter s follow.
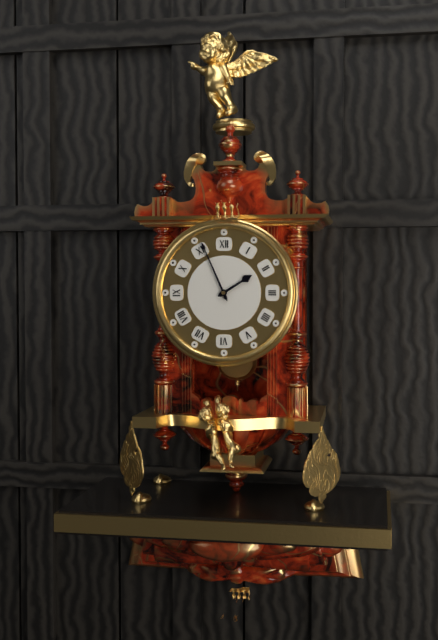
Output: 1h56
